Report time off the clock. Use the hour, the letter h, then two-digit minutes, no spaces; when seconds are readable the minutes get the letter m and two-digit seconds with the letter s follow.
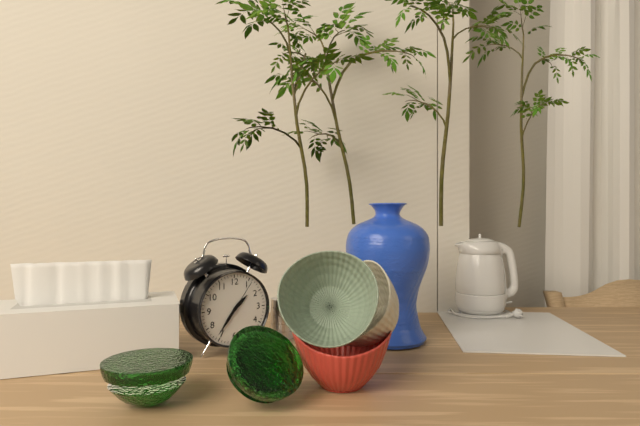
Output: 1h36
